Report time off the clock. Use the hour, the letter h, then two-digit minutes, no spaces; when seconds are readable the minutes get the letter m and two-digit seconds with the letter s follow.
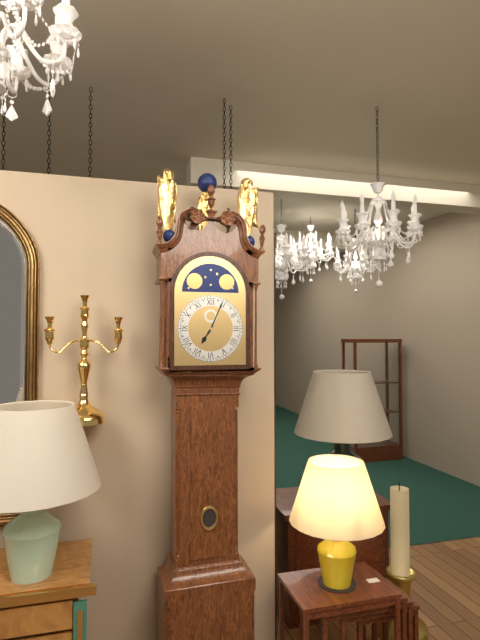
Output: 7h04
